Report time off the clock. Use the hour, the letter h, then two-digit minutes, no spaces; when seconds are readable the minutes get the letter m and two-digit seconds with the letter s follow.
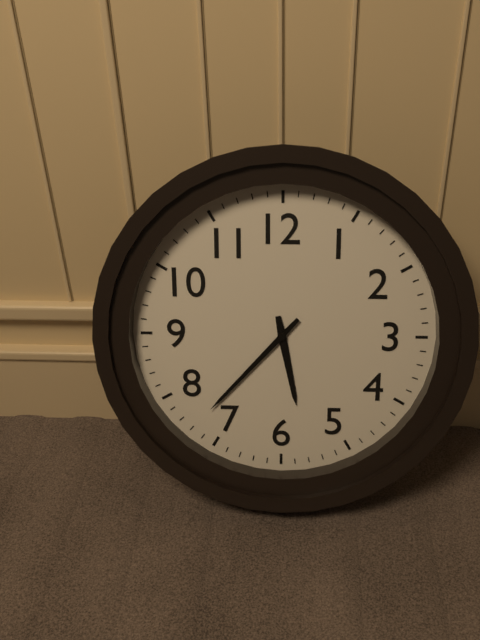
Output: 5h37
